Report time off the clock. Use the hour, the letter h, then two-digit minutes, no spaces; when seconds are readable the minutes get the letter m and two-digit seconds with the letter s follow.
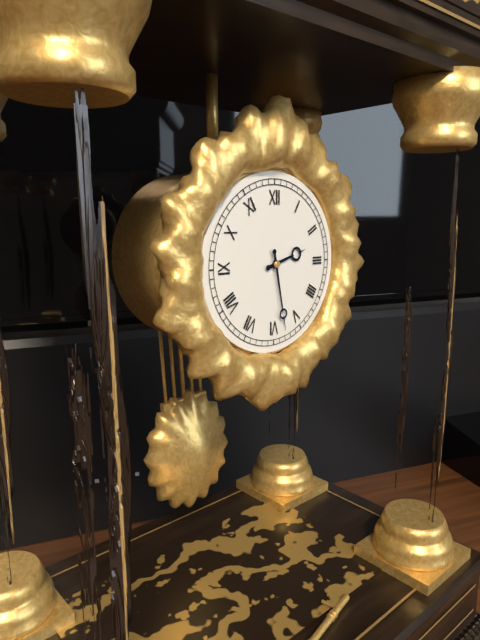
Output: 2h28
